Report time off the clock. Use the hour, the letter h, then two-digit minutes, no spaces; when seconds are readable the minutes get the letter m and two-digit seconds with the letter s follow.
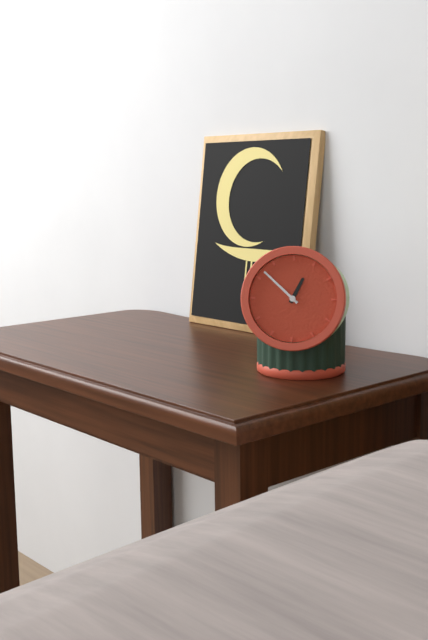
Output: 12h52
